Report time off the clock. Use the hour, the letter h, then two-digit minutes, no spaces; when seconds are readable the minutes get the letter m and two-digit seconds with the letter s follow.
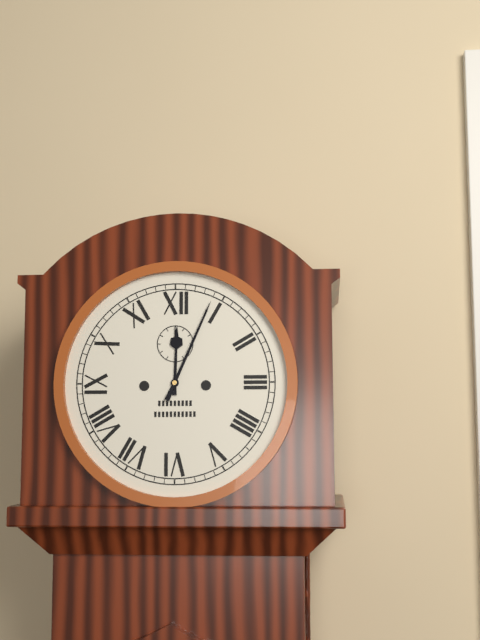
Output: 12h04
